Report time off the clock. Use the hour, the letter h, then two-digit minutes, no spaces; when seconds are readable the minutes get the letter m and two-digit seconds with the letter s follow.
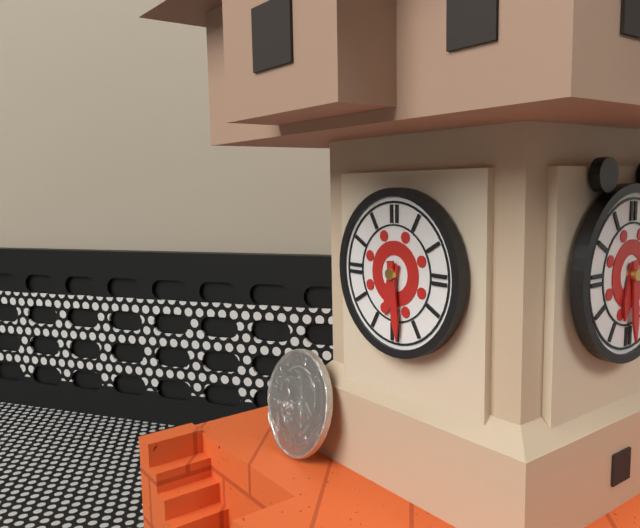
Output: 6h29
